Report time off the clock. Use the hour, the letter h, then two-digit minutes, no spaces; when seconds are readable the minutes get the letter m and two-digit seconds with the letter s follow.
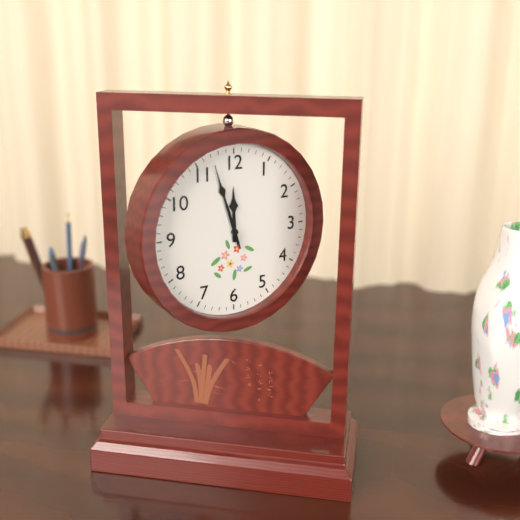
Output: 11h57m57s
